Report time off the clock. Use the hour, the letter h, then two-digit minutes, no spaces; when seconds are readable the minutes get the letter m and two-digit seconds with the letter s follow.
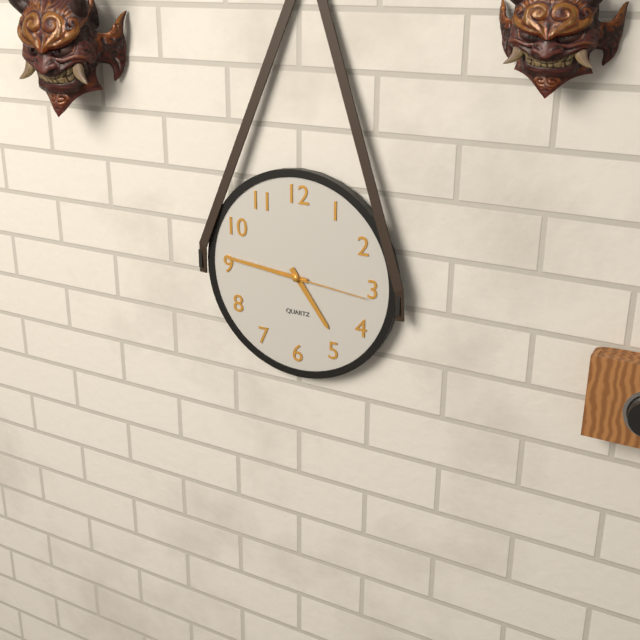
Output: 4h46m16s
